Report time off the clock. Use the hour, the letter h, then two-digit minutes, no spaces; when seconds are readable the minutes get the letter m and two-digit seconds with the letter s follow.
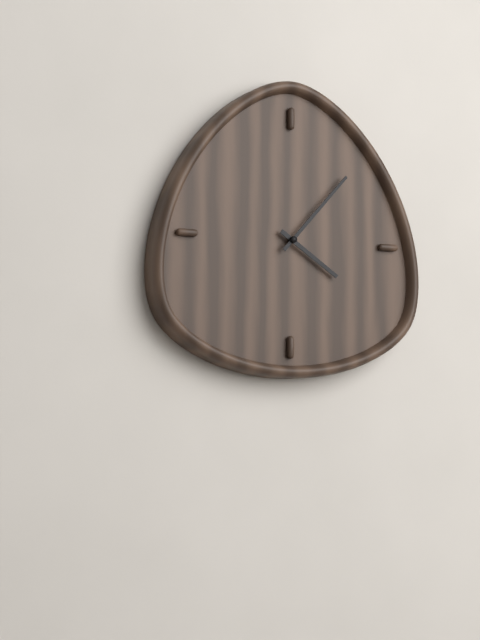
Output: 4h07
